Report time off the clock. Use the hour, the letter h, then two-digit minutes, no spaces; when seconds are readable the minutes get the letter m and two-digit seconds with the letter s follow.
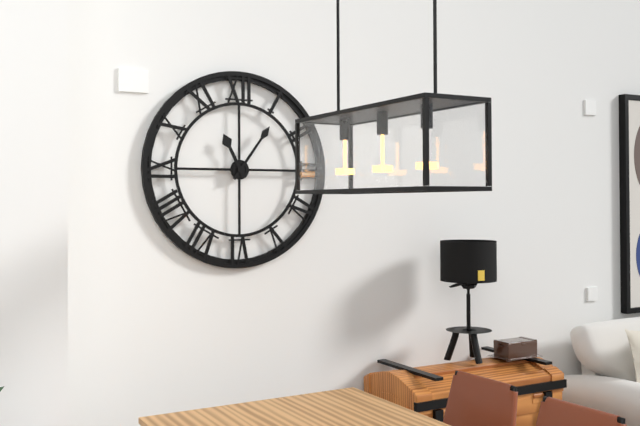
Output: 11h06
